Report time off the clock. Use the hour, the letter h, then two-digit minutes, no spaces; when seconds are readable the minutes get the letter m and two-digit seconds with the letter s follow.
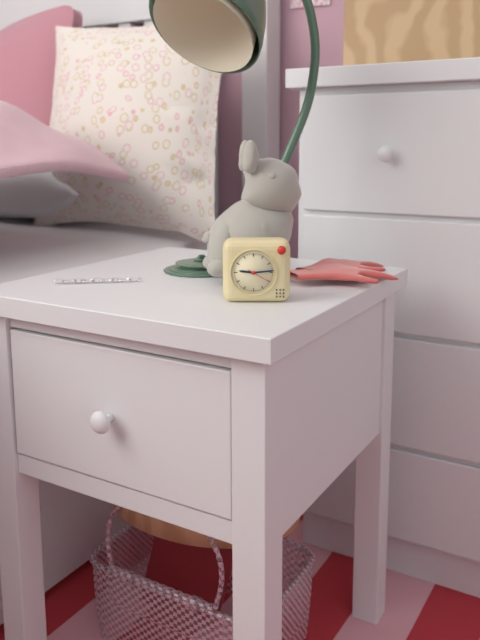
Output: 9h14
